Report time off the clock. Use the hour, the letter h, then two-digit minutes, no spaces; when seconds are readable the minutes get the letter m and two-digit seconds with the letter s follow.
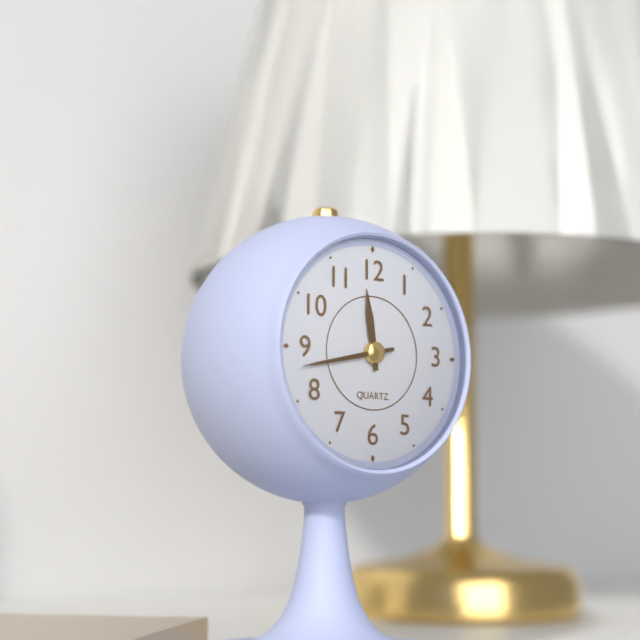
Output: 11h43
